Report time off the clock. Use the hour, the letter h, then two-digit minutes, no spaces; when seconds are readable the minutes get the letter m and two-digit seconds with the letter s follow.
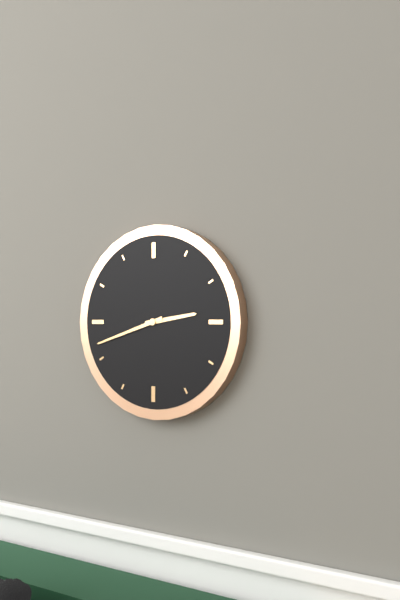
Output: 2h42
